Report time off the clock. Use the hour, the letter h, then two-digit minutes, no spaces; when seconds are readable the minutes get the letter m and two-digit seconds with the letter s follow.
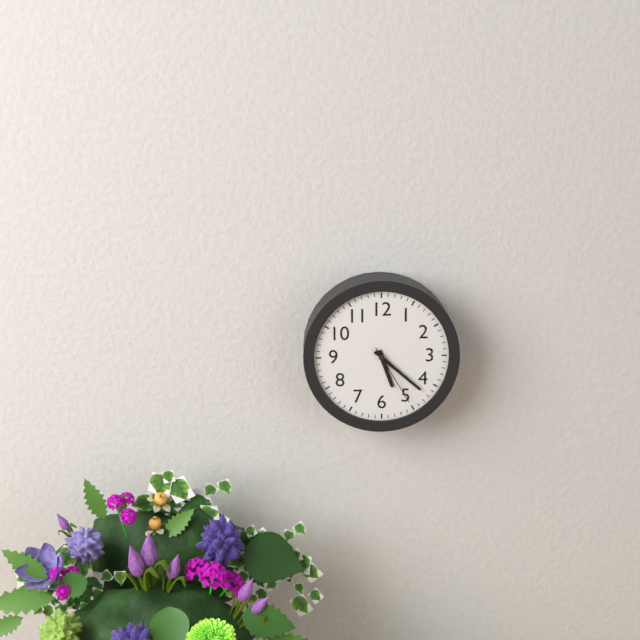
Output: 5h22m25s
